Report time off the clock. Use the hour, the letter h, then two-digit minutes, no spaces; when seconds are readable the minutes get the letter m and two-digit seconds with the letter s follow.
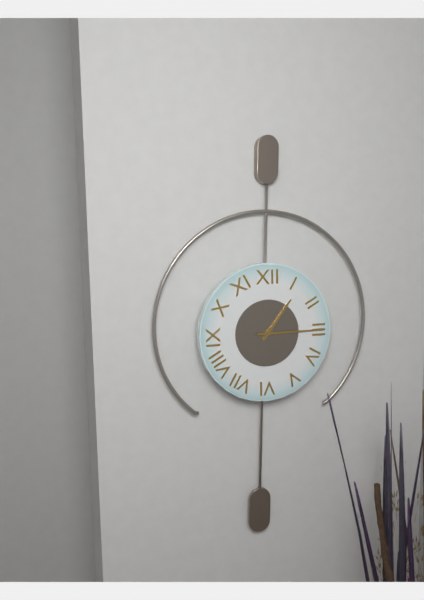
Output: 1h15
